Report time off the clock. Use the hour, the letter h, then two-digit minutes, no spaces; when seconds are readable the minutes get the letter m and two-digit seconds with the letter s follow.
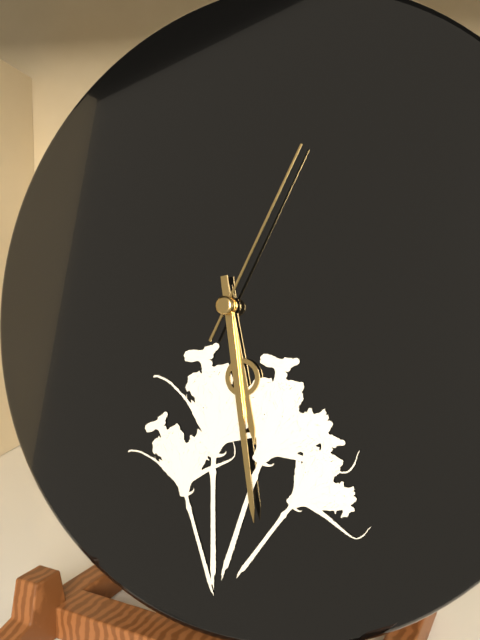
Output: 5h28m04s
